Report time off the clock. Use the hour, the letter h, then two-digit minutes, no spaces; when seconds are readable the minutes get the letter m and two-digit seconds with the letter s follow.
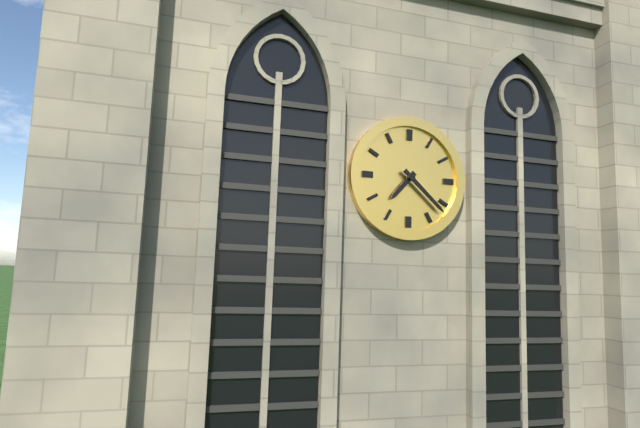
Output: 7h22
